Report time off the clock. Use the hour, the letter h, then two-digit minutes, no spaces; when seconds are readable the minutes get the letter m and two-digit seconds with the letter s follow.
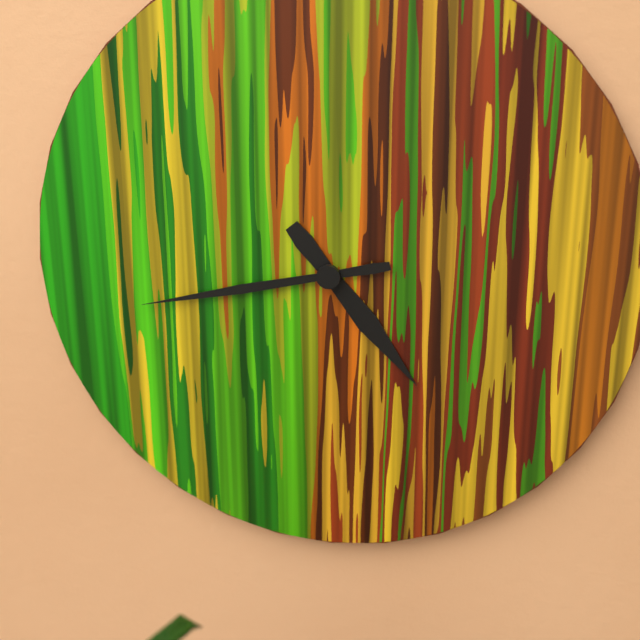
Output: 4h43
